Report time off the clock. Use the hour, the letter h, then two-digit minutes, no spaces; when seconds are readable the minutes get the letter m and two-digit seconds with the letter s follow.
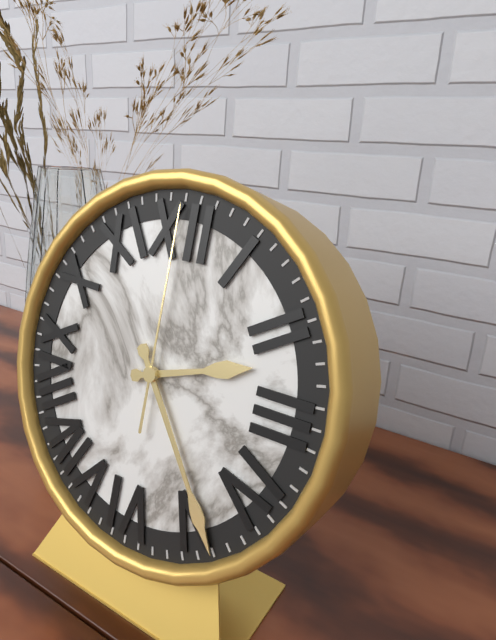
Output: 2h24m00s
